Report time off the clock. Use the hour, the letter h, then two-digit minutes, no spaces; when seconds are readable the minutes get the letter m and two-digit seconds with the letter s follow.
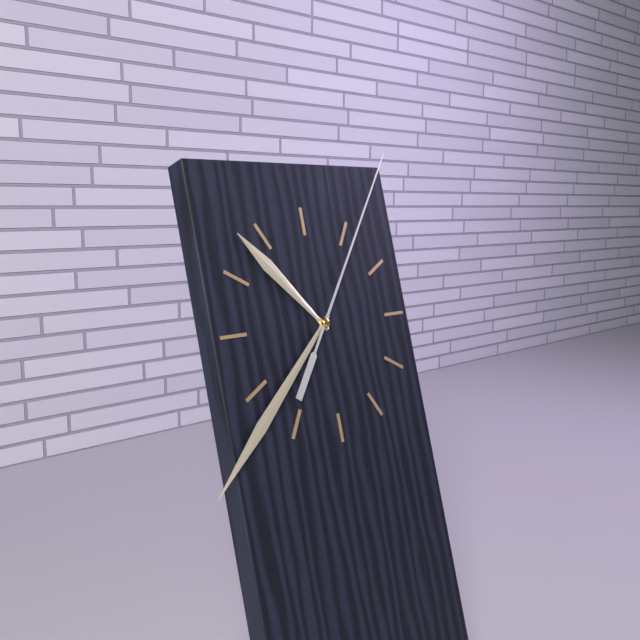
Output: 10h38m06s
